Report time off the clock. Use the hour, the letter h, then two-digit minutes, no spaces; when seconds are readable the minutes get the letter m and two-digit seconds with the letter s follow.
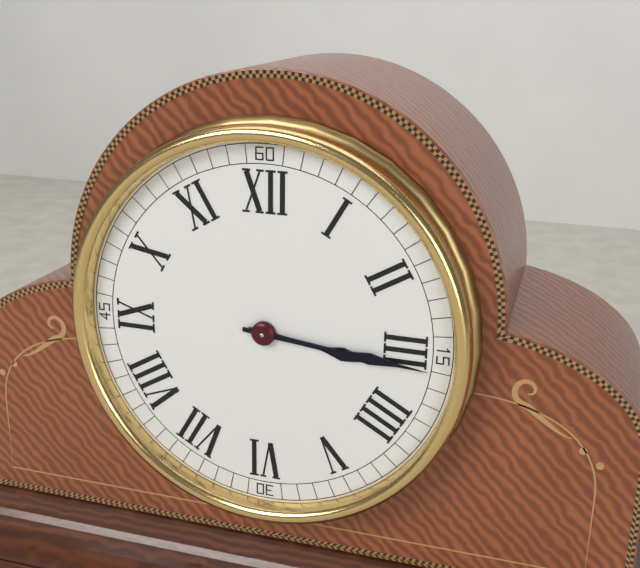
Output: 3h16
